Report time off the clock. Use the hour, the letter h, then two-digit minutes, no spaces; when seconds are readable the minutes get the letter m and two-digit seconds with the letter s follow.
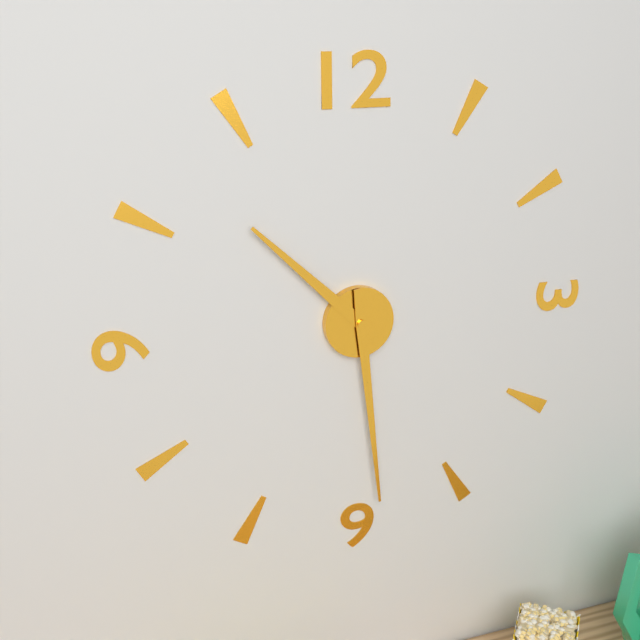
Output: 10h29
